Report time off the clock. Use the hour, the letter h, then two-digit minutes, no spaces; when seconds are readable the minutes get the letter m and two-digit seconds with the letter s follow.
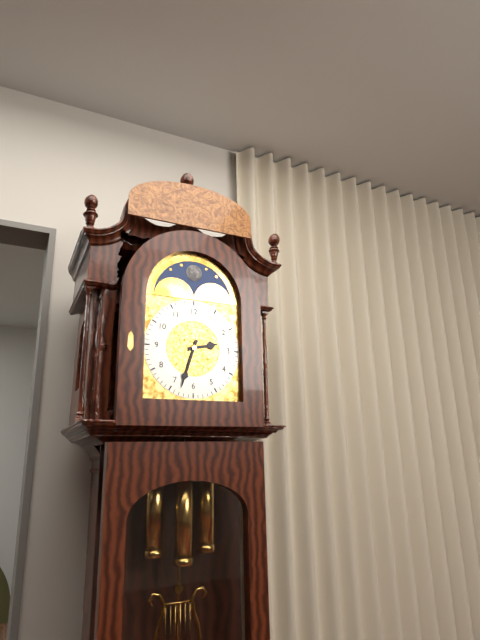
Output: 2h33
